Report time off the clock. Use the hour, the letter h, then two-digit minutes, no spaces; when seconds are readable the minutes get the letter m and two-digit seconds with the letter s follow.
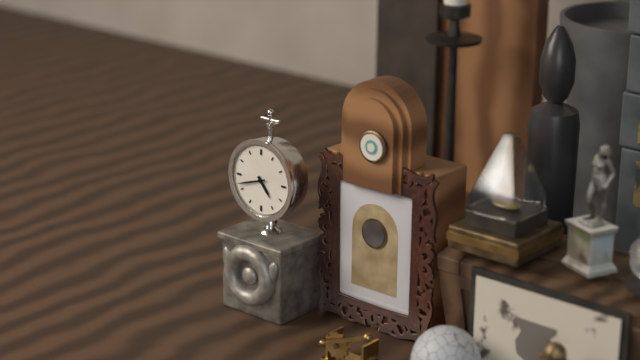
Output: 4h42
